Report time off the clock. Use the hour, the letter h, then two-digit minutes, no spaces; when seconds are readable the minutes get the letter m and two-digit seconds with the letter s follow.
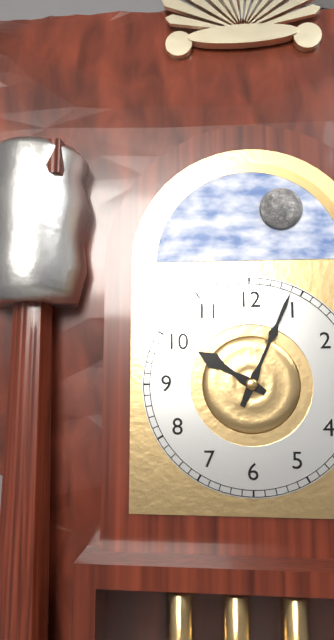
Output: 10h04
